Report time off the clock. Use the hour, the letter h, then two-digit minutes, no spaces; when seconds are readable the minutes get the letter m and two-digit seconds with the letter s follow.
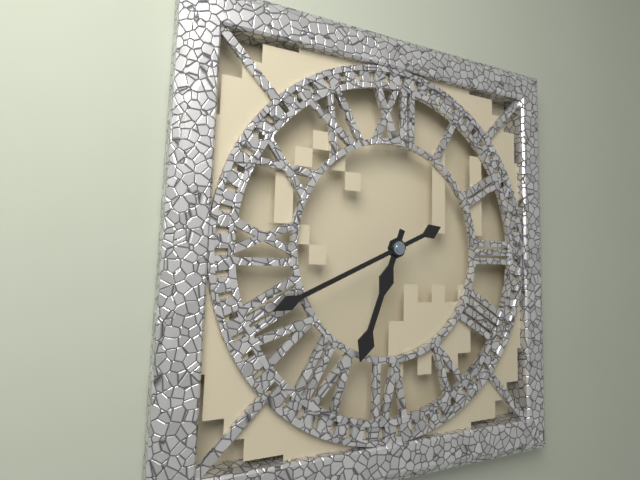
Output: 6h41
